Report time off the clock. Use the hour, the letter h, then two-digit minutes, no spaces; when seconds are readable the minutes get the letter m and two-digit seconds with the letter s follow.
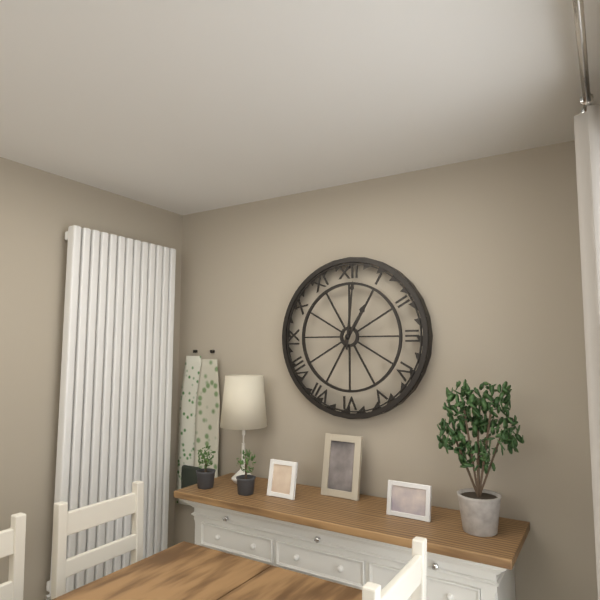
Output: 1h01
